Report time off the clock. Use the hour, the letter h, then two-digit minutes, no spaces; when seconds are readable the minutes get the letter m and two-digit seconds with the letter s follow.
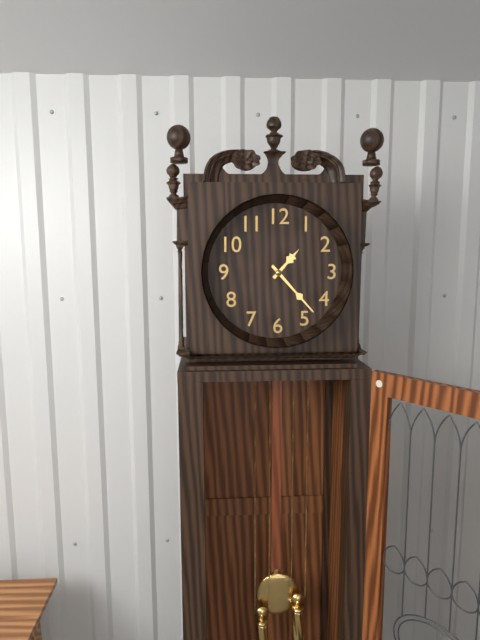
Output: 1h23
